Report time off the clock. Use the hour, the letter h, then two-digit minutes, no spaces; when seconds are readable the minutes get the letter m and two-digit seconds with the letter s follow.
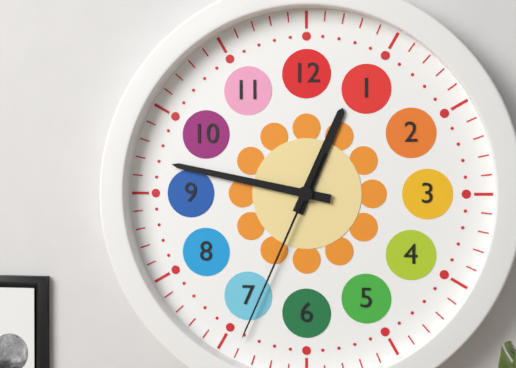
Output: 12h47m34s
